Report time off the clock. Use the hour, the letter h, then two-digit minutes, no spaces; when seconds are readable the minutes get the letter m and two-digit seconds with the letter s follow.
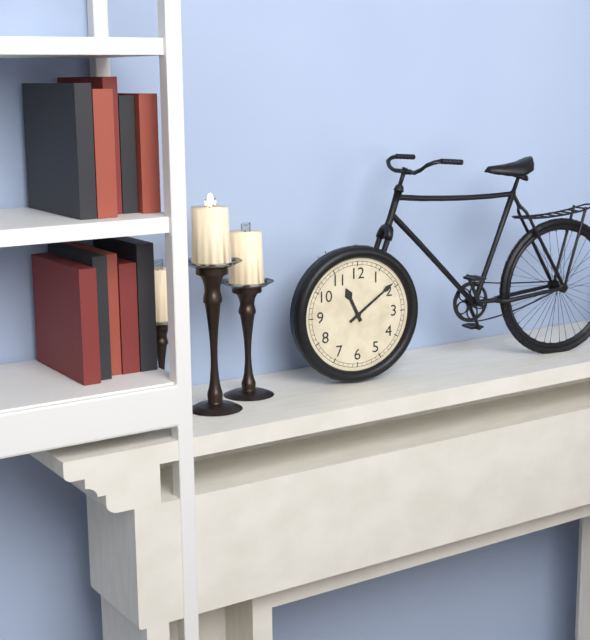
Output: 11h09
